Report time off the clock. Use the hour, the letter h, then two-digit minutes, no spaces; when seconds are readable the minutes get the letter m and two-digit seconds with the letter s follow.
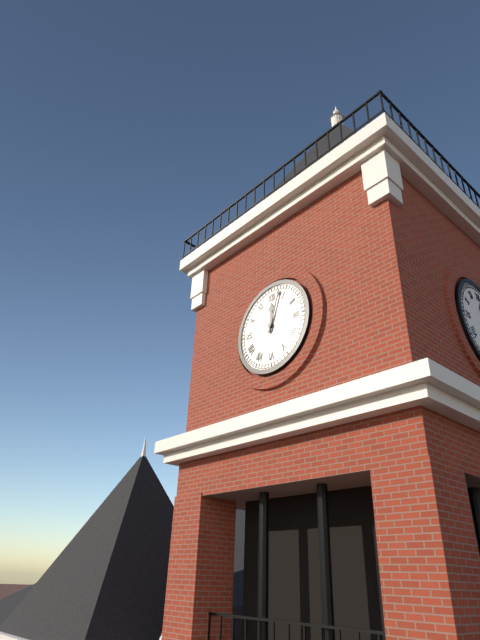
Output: 12h03
